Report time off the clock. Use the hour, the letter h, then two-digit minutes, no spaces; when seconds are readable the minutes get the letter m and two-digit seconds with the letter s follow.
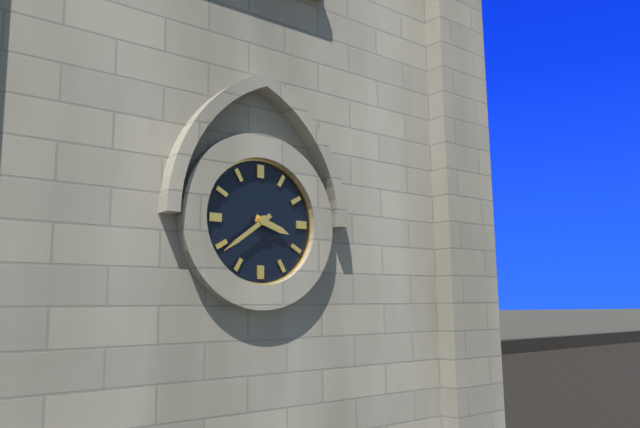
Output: 3h39
